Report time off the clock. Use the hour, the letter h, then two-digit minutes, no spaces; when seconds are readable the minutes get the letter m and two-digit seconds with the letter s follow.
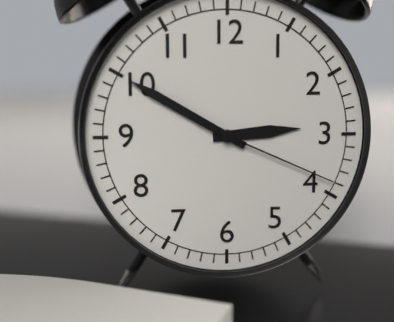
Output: 2h50m19s
